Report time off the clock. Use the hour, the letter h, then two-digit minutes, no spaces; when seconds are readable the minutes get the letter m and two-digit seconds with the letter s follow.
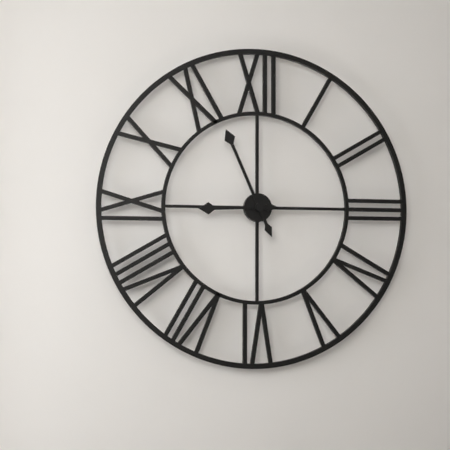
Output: 8h56
